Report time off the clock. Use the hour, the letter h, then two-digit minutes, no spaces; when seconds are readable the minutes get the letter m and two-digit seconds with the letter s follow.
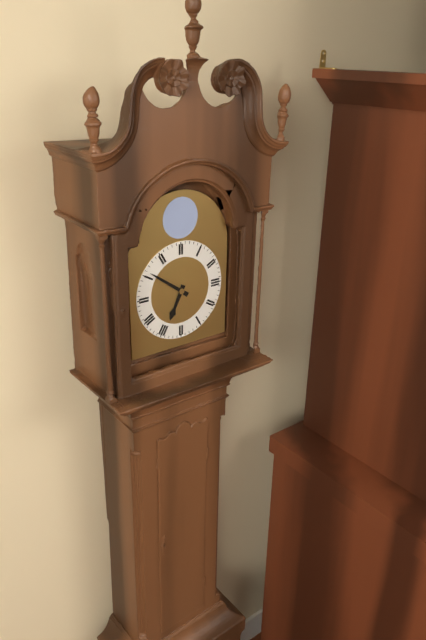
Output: 6h51
